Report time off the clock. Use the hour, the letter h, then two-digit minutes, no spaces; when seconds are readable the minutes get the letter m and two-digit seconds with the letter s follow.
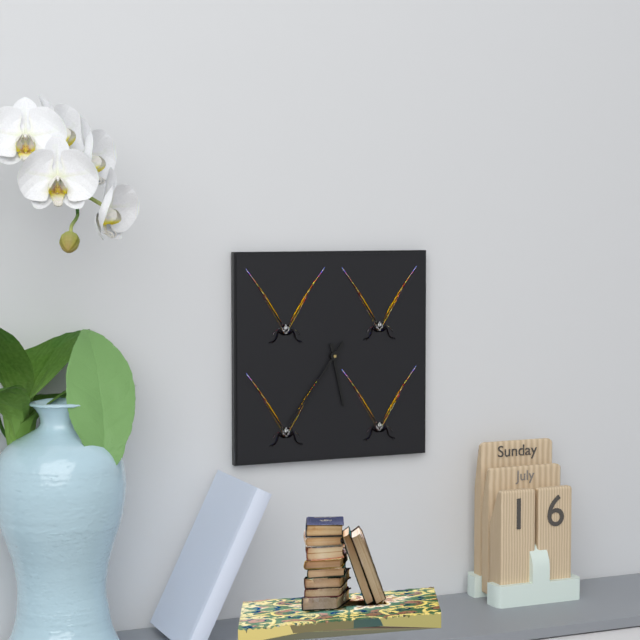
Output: 5h36
